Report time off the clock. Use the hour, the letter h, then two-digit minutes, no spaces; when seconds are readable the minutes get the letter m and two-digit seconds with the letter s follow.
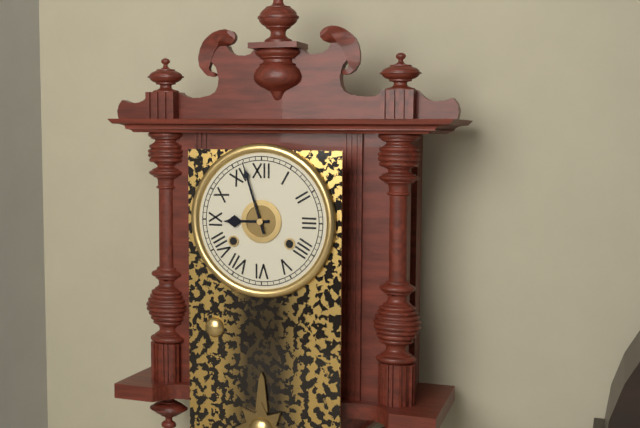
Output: 8h57
